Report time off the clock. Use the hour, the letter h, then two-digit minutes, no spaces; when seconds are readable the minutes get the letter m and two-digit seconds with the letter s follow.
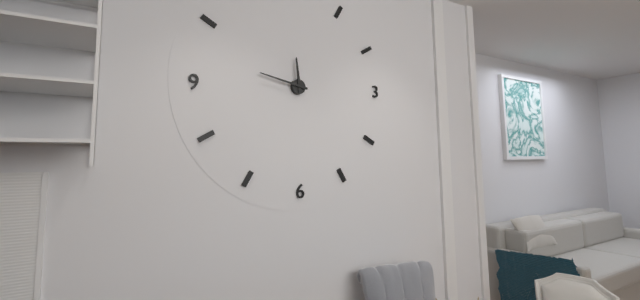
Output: 11h47
